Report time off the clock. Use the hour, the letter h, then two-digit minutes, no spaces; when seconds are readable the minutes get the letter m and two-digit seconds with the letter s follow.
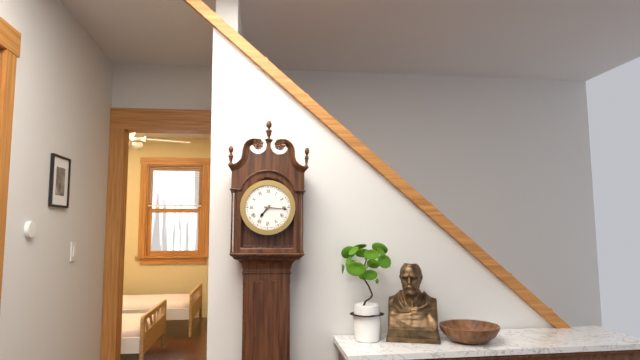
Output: 7h16
